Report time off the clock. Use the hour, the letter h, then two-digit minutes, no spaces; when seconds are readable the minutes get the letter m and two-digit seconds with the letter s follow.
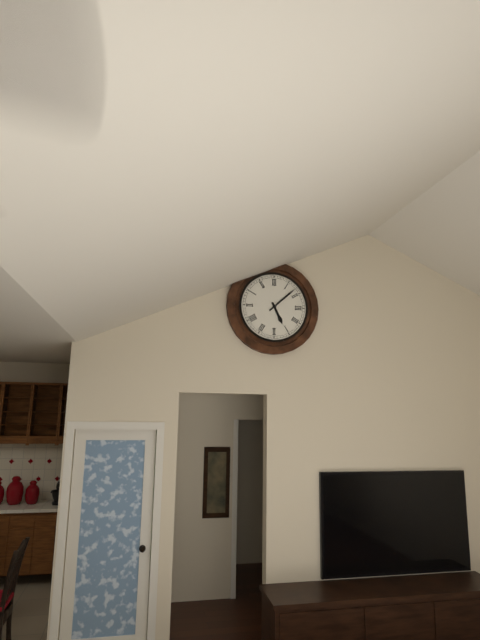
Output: 5h08
